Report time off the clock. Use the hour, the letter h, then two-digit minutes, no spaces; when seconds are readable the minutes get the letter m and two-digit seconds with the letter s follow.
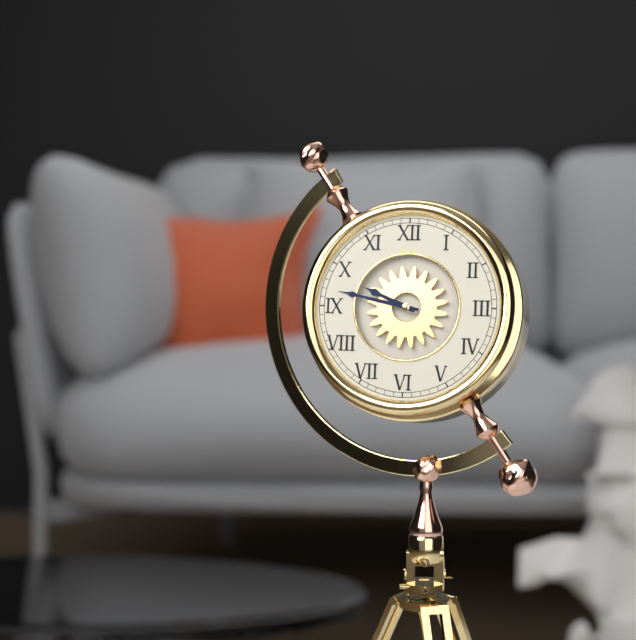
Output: 9h47
